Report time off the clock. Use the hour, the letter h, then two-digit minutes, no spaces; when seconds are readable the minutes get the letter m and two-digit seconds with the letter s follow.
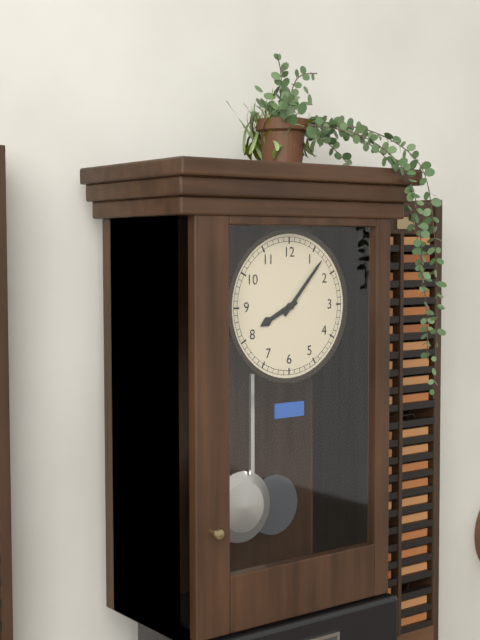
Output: 8h07
